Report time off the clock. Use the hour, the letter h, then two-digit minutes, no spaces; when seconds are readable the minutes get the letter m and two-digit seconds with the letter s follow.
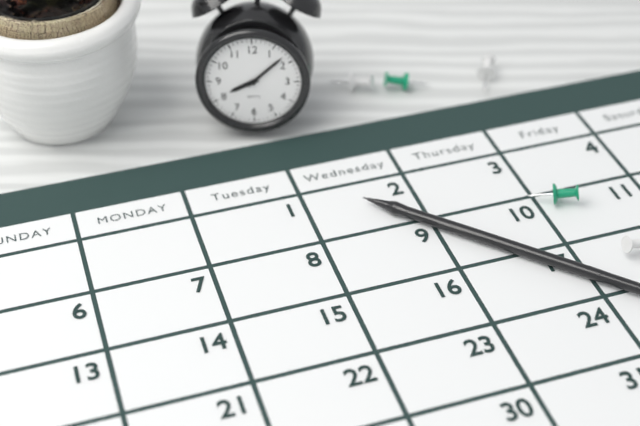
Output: 8h08
